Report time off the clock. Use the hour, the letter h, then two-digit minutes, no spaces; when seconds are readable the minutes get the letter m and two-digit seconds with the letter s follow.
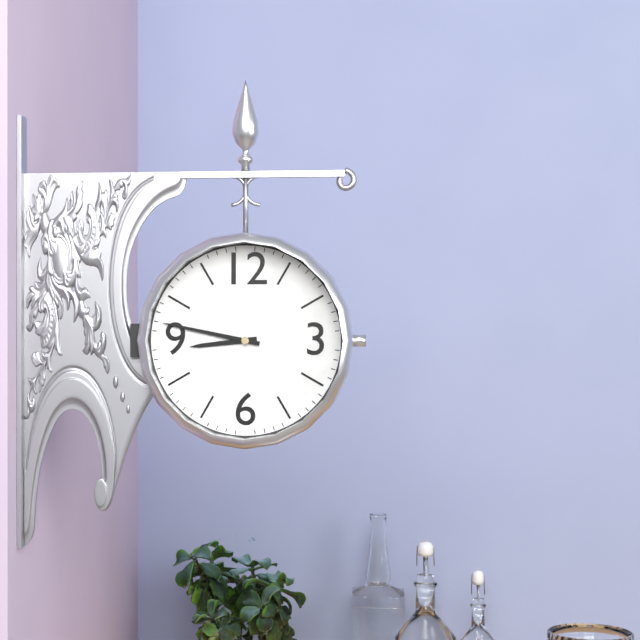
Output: 8h47
